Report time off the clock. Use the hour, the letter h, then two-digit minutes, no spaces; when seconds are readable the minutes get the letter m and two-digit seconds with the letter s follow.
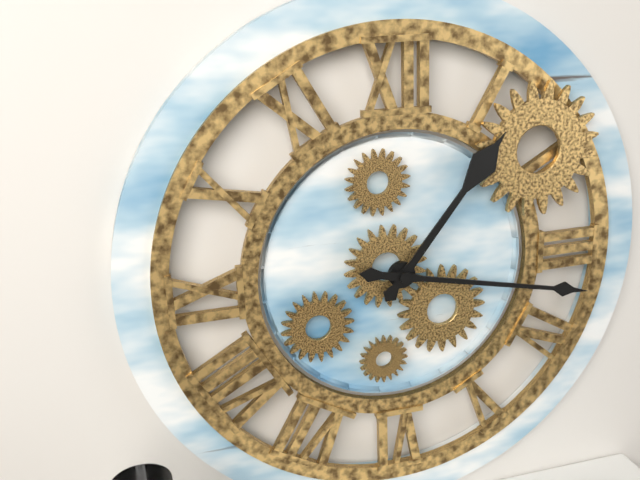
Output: 1h17
